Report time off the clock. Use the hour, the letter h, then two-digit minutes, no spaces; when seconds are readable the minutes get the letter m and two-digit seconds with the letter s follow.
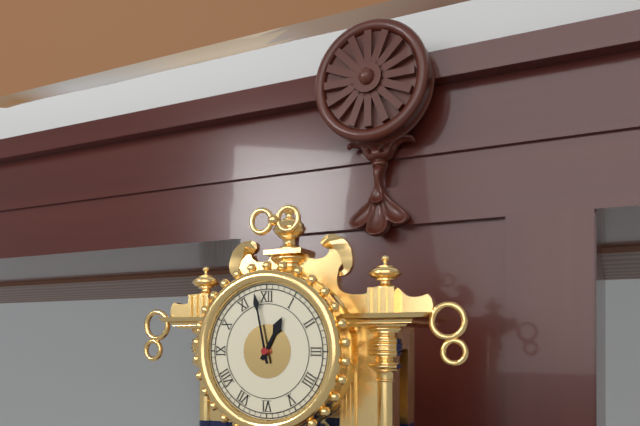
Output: 12h58
